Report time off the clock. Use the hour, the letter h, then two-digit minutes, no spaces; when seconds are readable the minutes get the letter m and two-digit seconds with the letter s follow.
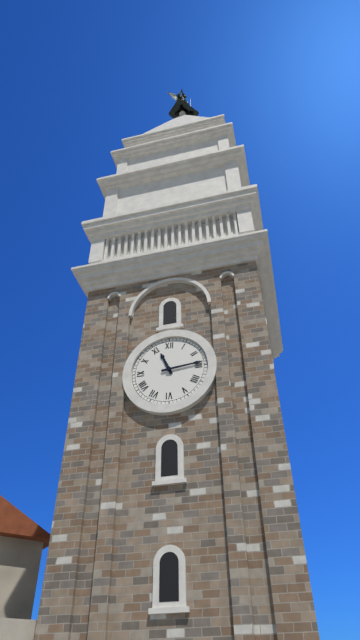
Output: 11h14
